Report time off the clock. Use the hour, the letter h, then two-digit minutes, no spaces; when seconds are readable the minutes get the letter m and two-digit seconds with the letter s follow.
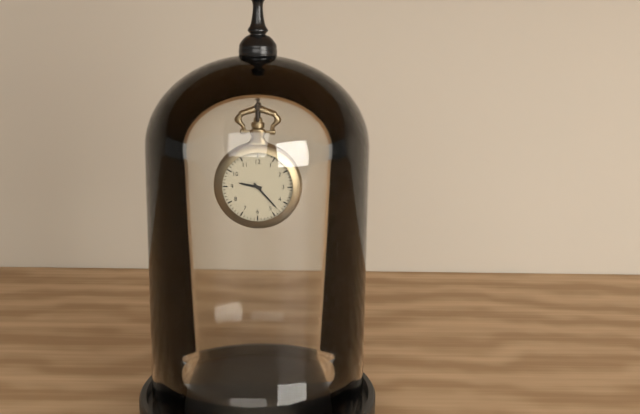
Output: 9h23
